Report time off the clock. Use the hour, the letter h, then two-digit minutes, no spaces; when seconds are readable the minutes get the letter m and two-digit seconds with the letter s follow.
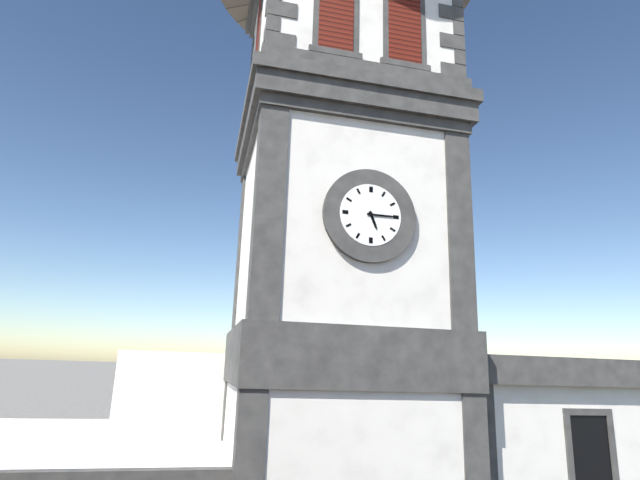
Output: 5h15
